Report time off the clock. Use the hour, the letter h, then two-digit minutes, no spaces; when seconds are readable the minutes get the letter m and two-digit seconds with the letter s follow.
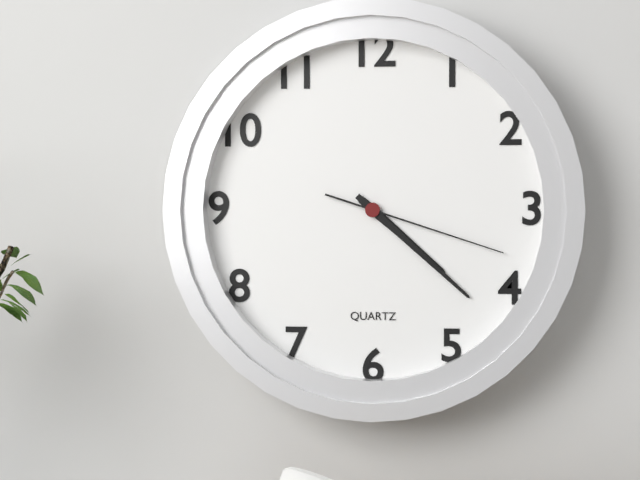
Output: 4h22m18s
